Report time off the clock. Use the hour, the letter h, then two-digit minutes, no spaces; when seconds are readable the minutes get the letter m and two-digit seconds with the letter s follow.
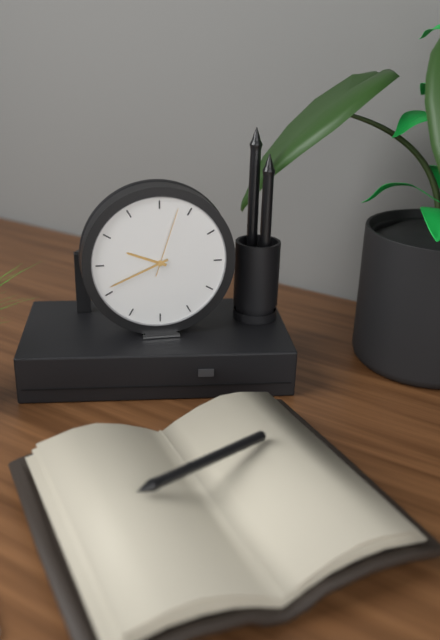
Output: 9h41m03s
